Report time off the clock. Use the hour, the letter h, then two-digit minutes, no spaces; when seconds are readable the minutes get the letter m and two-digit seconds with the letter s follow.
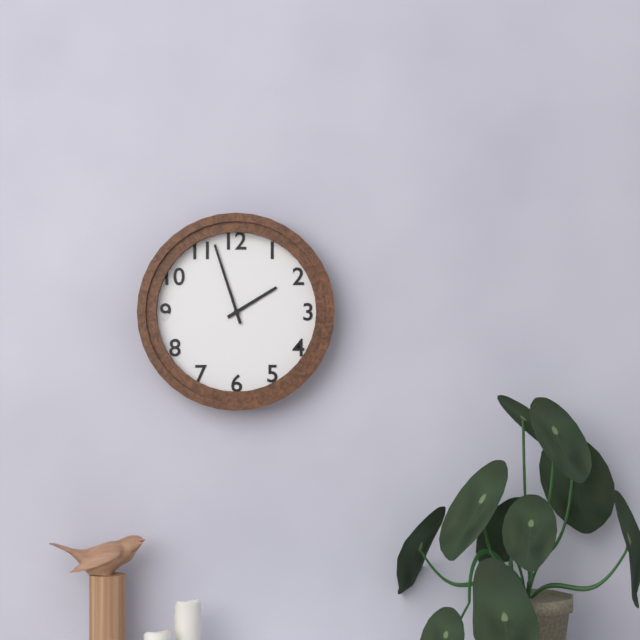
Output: 1h57
